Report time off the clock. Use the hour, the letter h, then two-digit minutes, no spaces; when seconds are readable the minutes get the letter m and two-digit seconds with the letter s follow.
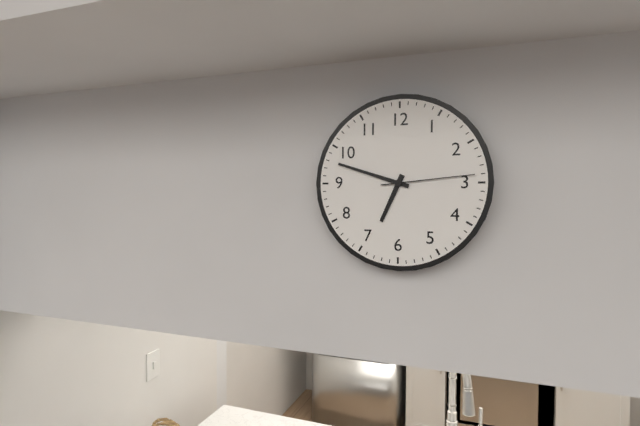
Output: 6h48m14s
